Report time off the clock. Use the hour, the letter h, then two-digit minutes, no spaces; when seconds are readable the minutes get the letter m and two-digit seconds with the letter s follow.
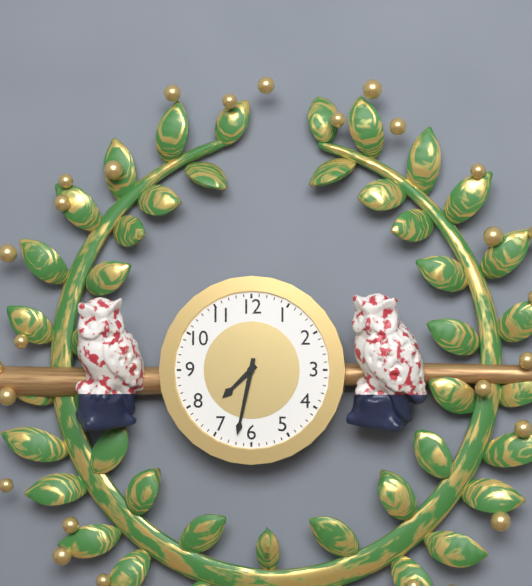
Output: 7h32
